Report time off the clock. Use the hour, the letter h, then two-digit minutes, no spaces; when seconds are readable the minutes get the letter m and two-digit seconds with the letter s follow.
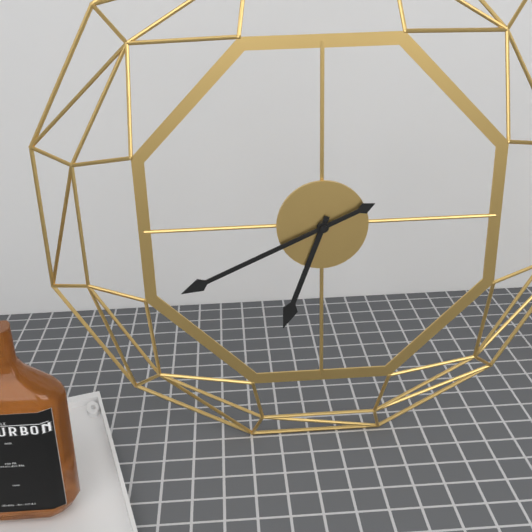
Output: 6h41
